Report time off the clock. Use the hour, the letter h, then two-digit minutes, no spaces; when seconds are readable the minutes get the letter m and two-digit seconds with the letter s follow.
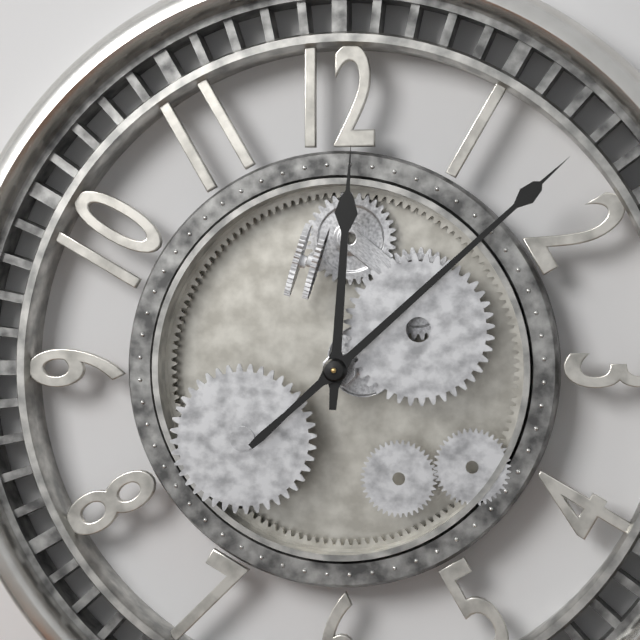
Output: 12h08
